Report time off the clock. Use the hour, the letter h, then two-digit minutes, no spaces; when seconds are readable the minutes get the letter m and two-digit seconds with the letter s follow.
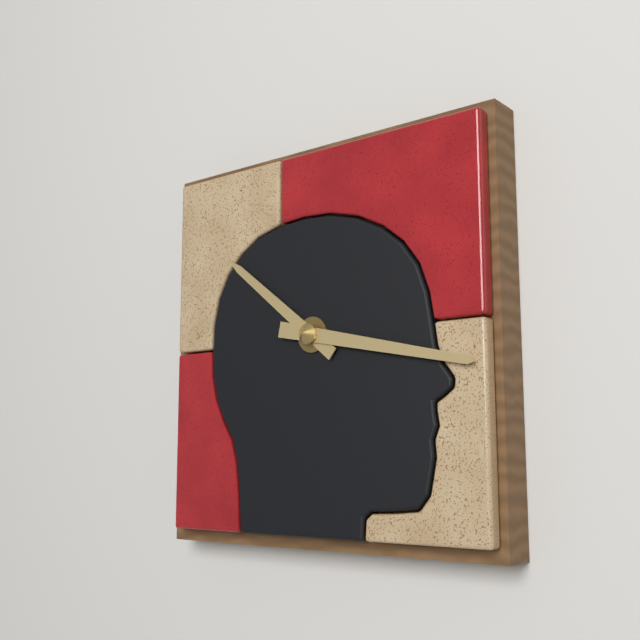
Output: 10h17
